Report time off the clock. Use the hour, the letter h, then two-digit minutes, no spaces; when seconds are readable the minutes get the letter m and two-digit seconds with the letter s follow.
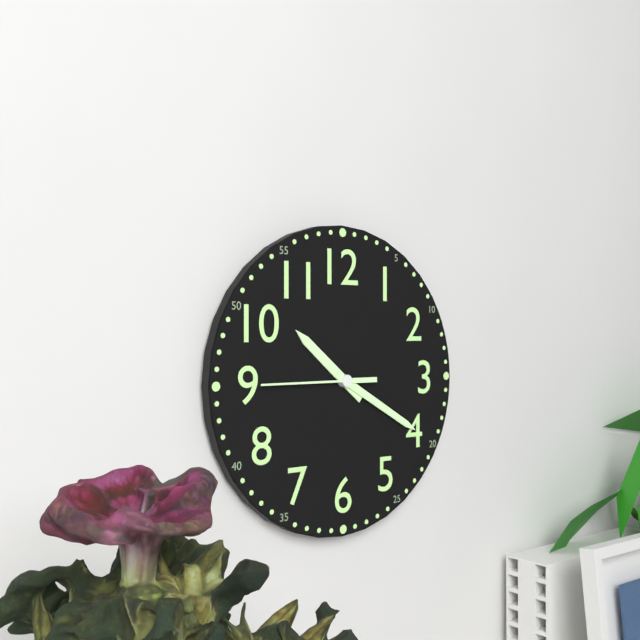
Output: 10h20m45s
